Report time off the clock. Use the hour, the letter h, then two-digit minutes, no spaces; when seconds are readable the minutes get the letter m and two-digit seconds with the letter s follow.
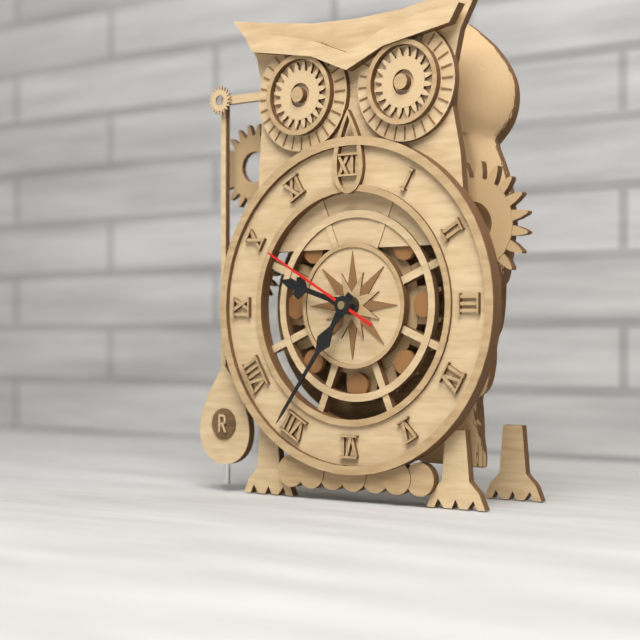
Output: 9h36m50s
